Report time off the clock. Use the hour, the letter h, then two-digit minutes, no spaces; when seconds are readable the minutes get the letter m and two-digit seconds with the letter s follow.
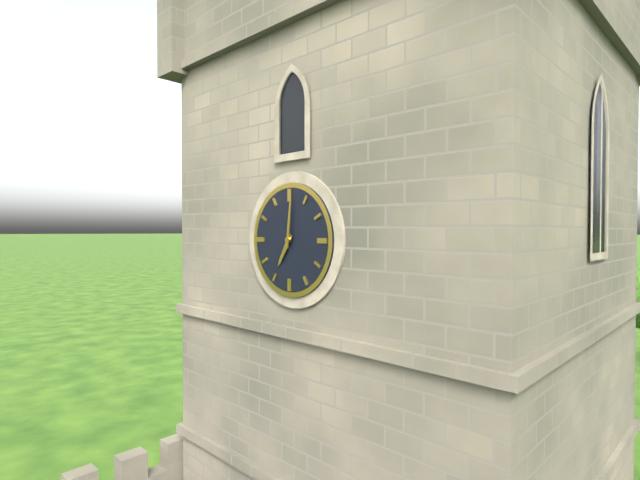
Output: 7h01
